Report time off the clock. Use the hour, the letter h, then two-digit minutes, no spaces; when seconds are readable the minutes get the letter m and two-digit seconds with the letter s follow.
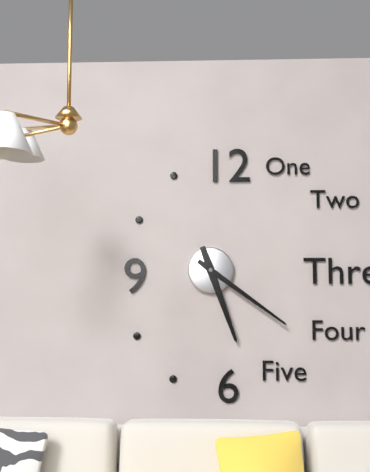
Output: 5h21
